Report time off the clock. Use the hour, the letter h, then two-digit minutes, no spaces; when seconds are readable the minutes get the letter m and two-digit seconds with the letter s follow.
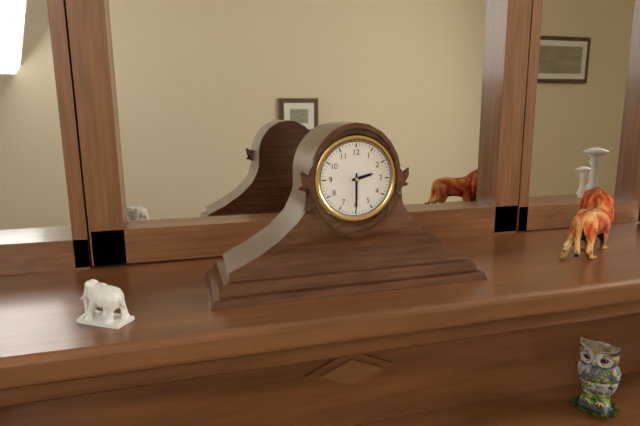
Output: 2h30
